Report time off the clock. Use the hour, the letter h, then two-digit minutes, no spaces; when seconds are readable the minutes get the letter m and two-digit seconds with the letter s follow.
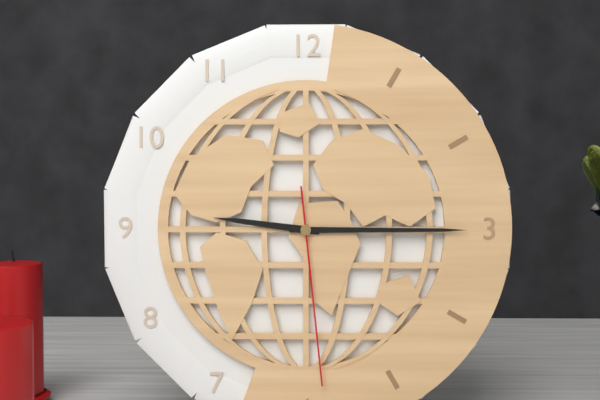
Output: 9h15m29s
